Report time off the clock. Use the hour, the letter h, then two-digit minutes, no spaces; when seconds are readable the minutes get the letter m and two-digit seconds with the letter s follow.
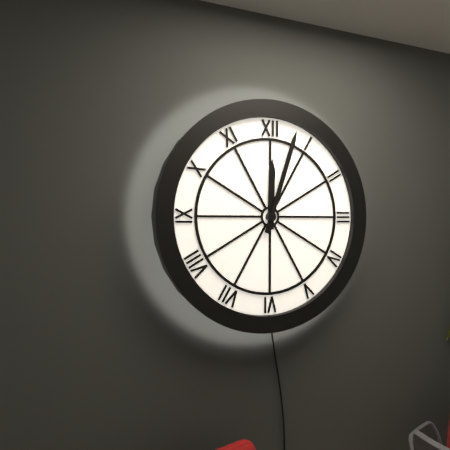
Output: 12h03
